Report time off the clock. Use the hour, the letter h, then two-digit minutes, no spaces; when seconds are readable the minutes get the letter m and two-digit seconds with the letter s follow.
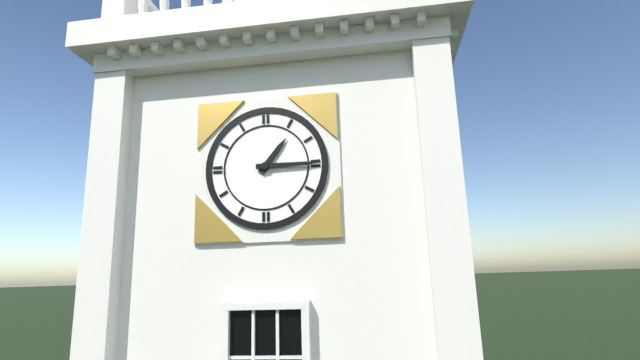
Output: 1h15
